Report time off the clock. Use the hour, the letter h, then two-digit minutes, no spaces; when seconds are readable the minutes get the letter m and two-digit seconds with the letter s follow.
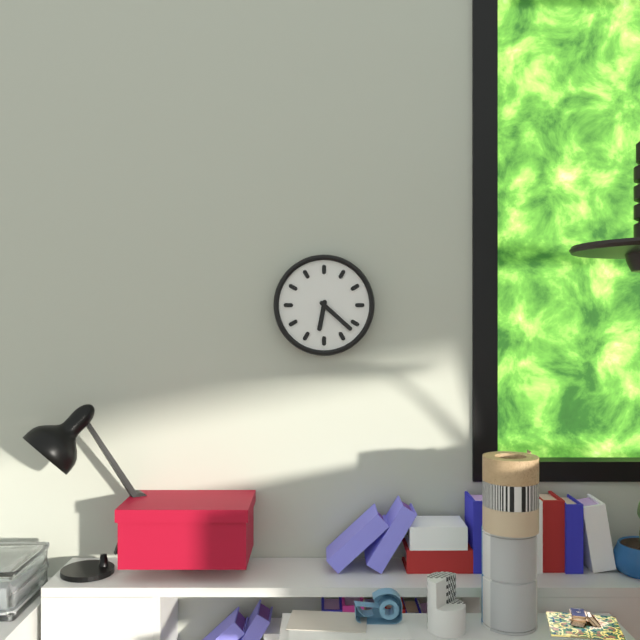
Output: 6h22
